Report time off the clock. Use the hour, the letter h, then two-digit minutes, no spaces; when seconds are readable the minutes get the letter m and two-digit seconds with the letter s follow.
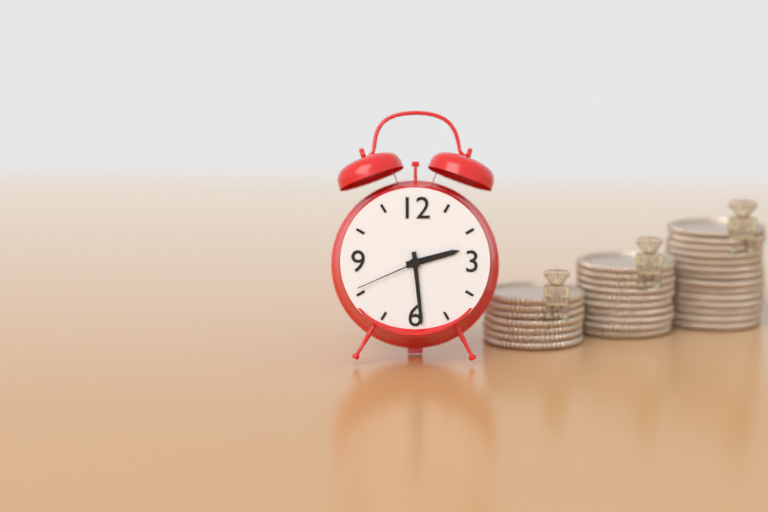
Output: 2h29m41s
